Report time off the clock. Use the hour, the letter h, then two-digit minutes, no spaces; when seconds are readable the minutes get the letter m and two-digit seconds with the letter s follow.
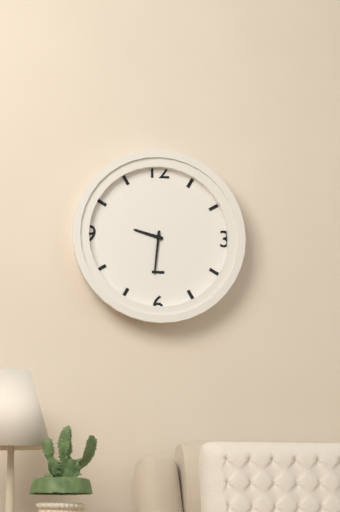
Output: 9h31
